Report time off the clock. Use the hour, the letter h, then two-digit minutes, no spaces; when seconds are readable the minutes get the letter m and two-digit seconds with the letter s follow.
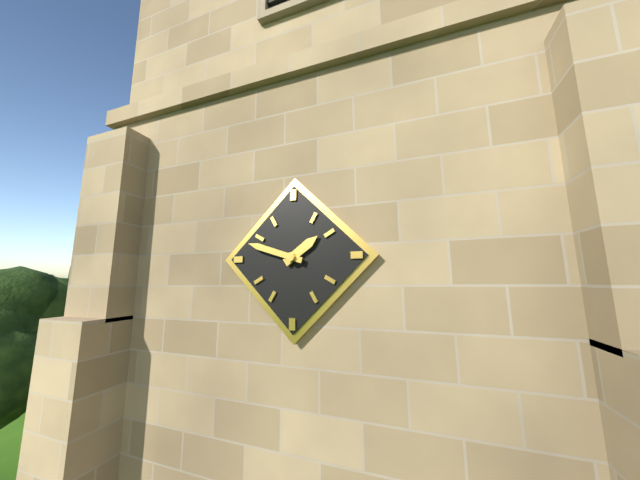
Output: 1h48
